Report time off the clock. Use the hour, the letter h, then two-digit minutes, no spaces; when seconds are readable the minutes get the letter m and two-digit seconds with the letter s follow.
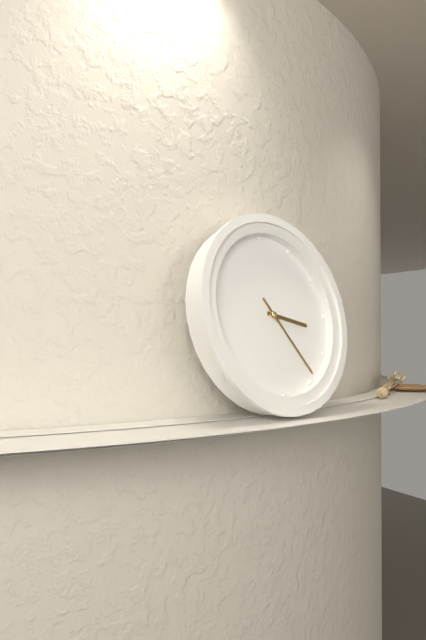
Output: 3h24
